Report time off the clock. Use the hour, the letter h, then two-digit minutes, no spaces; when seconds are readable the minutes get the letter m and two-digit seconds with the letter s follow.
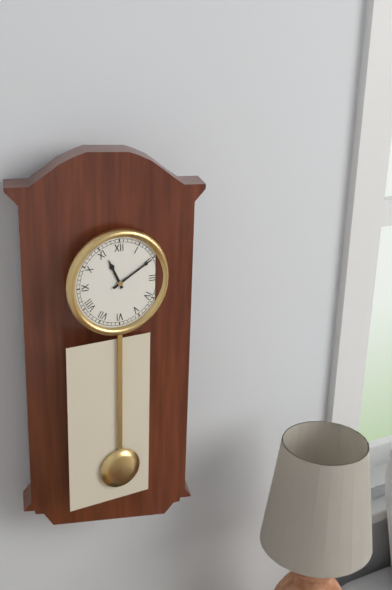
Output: 11h10
